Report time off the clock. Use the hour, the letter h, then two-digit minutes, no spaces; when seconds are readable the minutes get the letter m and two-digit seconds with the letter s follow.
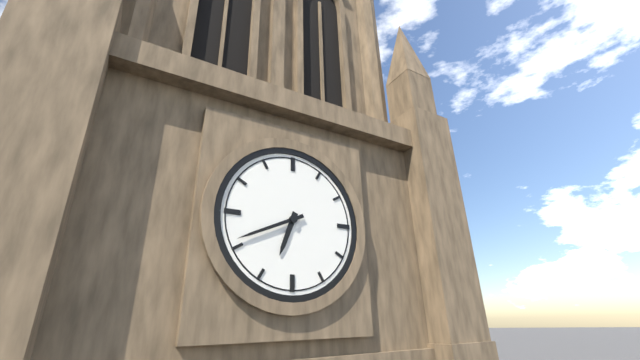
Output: 6h41
